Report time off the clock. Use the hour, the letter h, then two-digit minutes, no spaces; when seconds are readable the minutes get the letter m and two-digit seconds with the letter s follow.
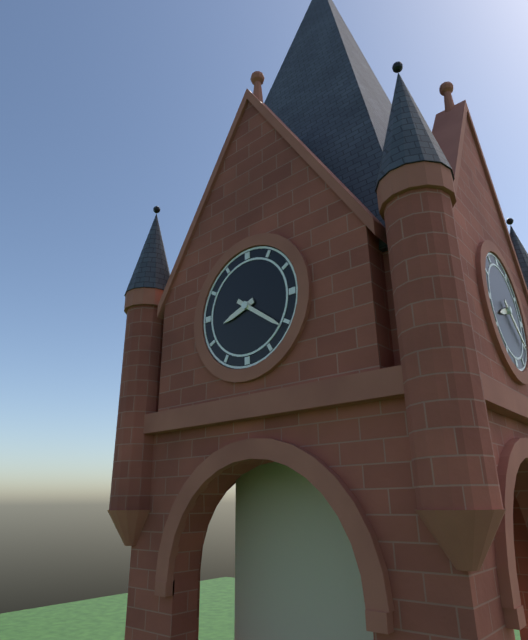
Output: 8h21
